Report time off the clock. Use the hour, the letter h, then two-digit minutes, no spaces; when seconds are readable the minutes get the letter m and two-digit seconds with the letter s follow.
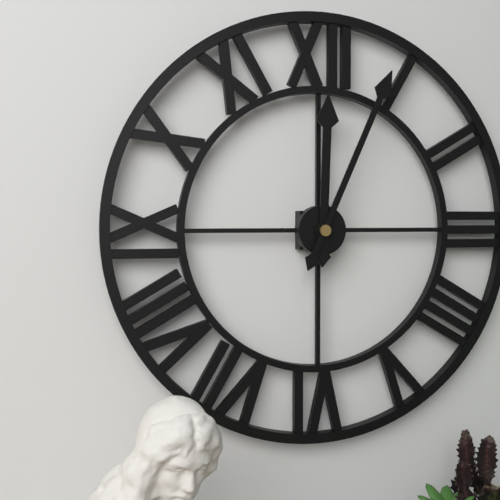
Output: 12h04
